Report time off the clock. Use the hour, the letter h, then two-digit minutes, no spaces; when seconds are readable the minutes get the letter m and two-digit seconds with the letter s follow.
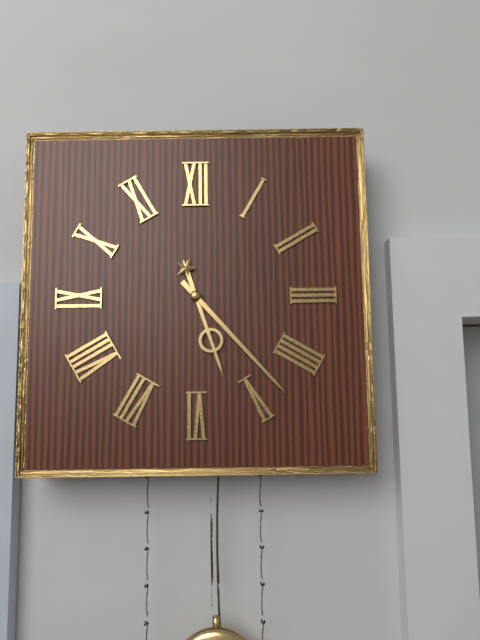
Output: 5h23
